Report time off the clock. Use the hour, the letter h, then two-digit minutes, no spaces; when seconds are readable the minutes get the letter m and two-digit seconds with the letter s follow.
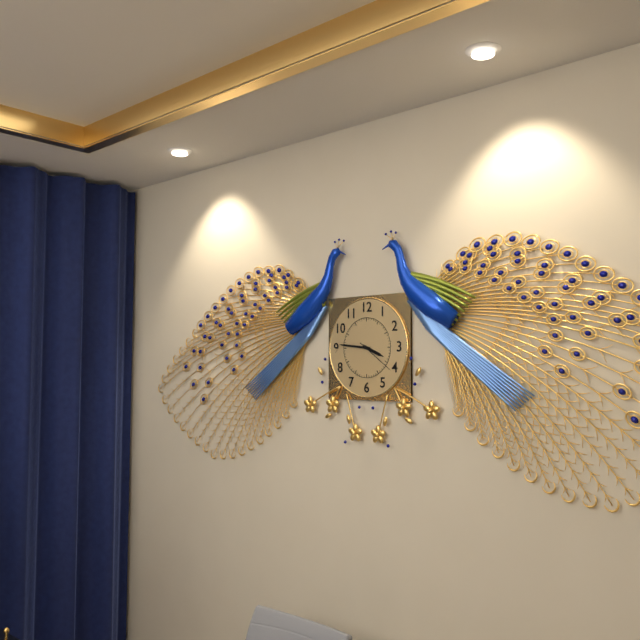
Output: 3h46
